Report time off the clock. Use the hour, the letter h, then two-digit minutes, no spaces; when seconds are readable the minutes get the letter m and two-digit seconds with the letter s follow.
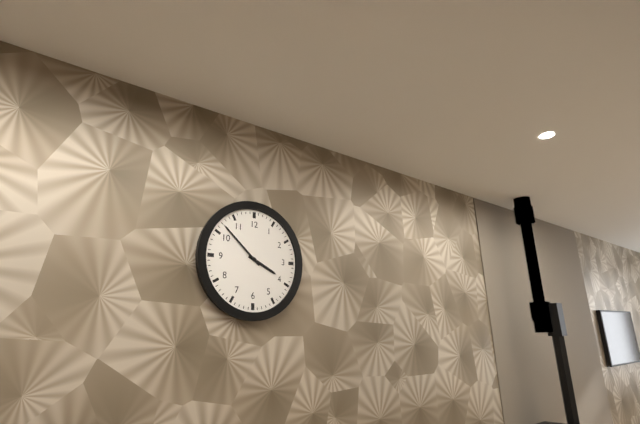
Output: 3h52
